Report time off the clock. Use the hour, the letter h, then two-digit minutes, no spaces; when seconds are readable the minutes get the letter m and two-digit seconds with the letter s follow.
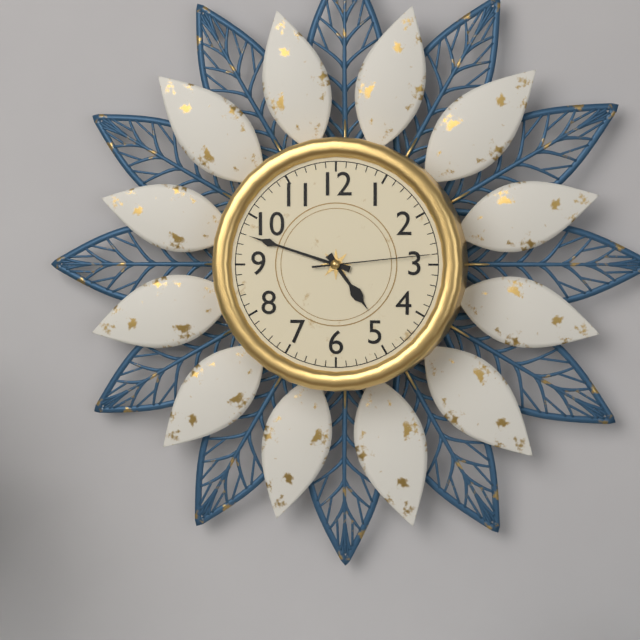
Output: 4h48m14s
